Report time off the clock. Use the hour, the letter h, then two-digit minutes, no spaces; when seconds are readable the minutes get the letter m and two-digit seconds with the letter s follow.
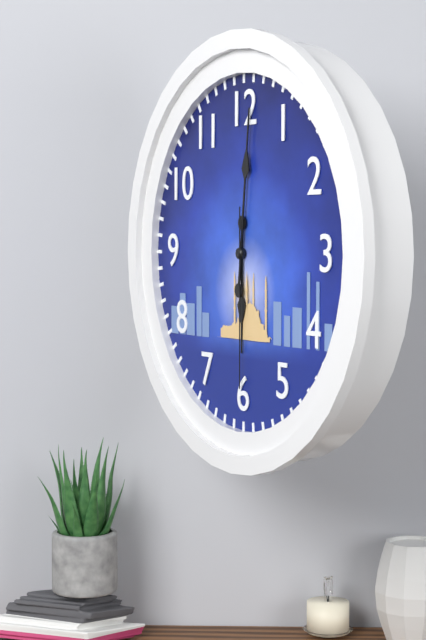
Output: 6h01m30s
